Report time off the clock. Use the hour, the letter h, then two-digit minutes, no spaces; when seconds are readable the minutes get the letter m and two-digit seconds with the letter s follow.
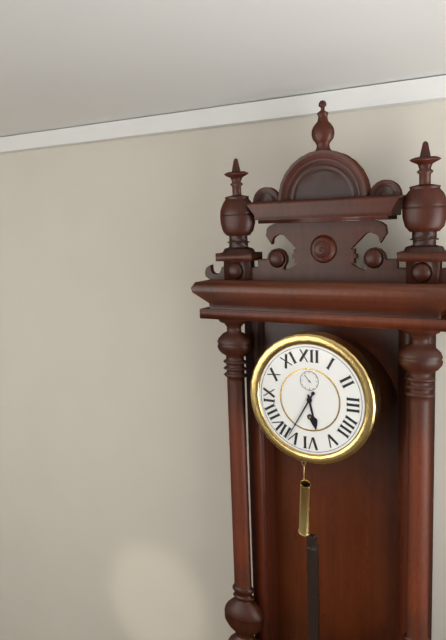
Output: 5h35
